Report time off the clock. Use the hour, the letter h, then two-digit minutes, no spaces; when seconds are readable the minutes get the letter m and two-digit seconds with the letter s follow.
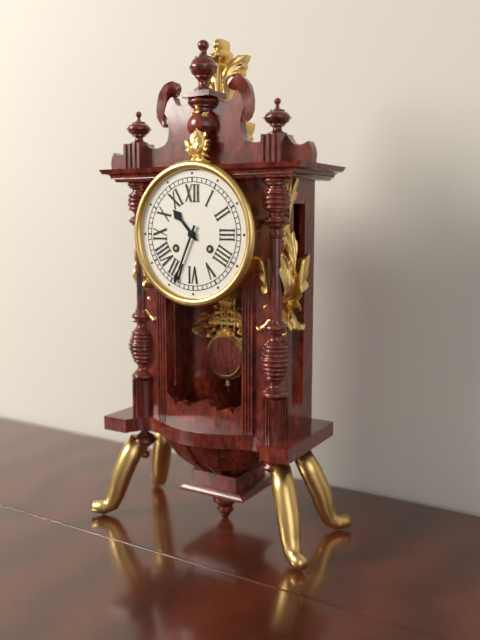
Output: 10h34
